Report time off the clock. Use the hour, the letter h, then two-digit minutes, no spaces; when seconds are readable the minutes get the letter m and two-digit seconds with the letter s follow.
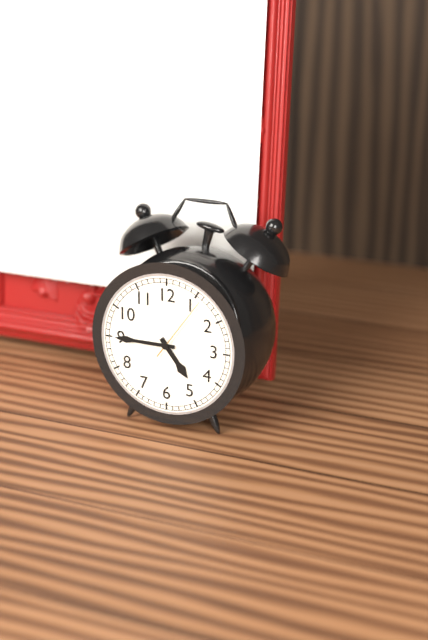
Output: 4h45m06s
